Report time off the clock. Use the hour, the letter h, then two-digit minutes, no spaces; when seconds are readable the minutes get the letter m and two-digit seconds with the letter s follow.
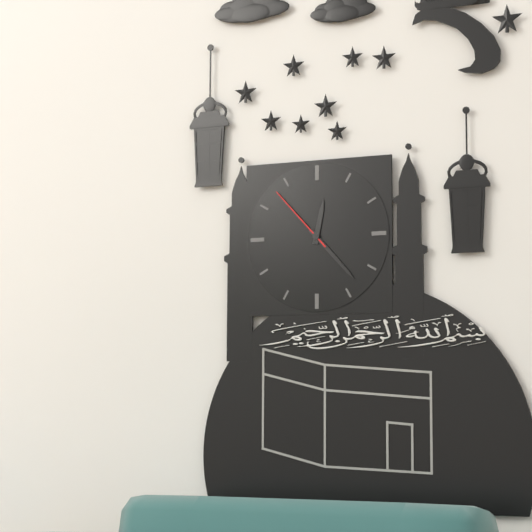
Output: 12h23m53s
